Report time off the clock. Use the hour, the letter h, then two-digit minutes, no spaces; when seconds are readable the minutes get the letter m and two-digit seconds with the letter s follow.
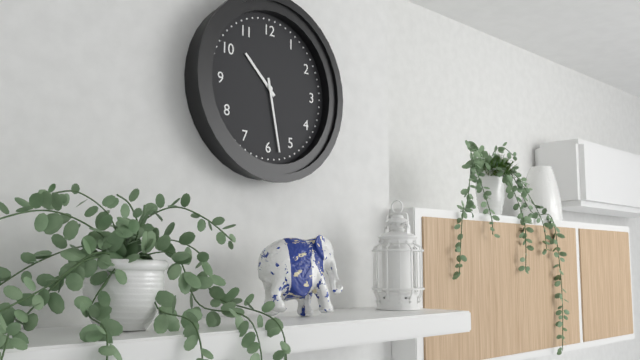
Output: 10h28
